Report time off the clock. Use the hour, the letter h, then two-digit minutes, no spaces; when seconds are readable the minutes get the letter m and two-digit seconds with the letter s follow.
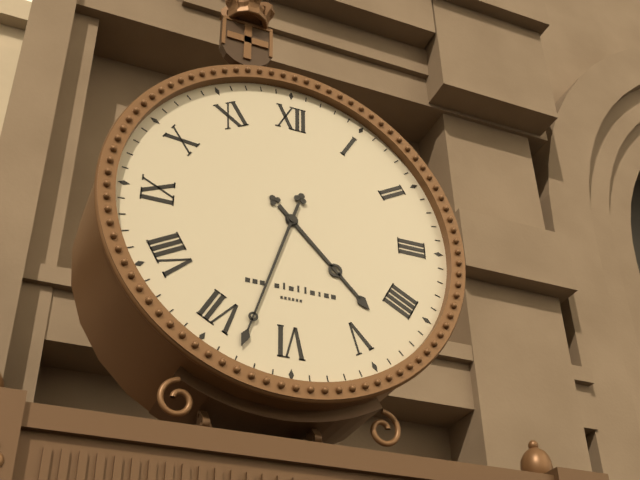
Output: 4h33
